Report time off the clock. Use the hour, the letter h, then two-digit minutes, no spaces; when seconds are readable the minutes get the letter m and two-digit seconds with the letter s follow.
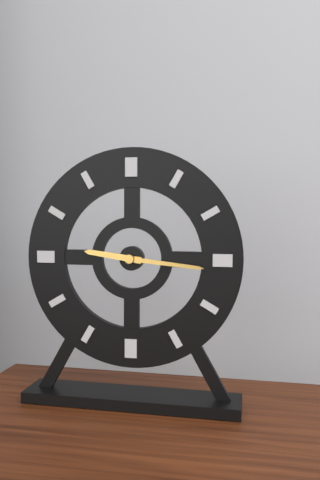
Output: 9h16
